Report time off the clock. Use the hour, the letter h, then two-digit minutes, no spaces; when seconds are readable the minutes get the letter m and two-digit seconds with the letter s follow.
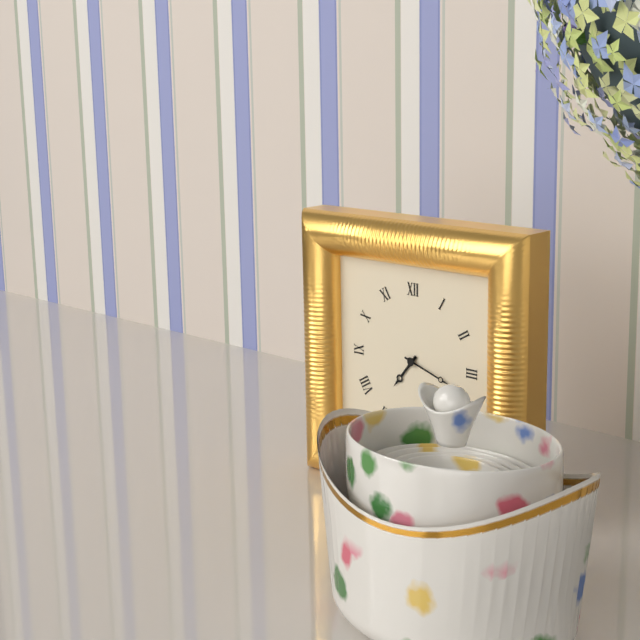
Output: 7h18
